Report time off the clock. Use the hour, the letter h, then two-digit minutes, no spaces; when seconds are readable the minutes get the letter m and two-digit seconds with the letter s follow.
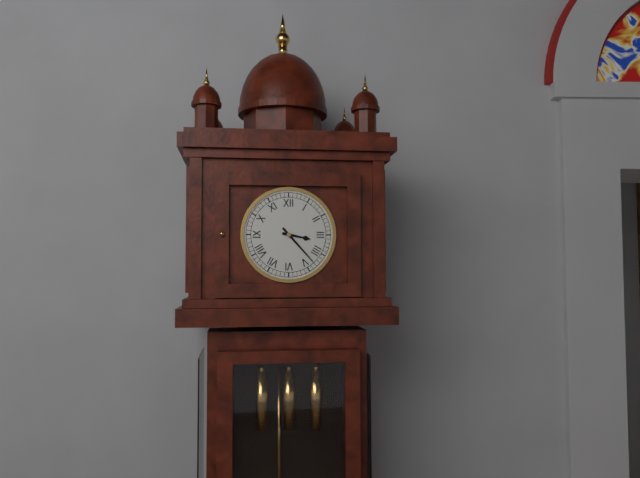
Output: 3h23
